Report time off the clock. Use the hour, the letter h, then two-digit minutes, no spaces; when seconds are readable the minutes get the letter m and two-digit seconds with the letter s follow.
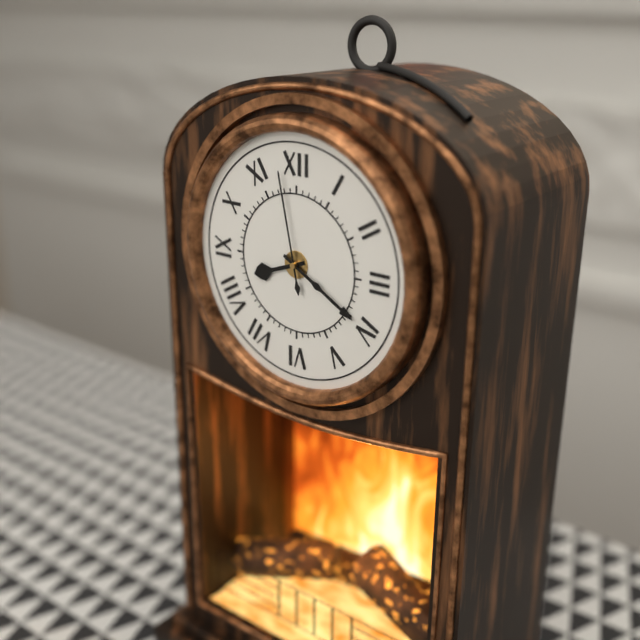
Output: 8h20m58s
